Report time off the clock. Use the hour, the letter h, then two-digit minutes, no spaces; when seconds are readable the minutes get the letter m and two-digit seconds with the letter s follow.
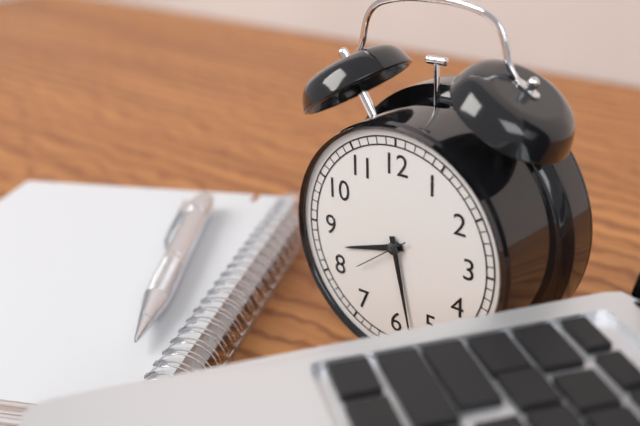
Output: 8h28m39s
